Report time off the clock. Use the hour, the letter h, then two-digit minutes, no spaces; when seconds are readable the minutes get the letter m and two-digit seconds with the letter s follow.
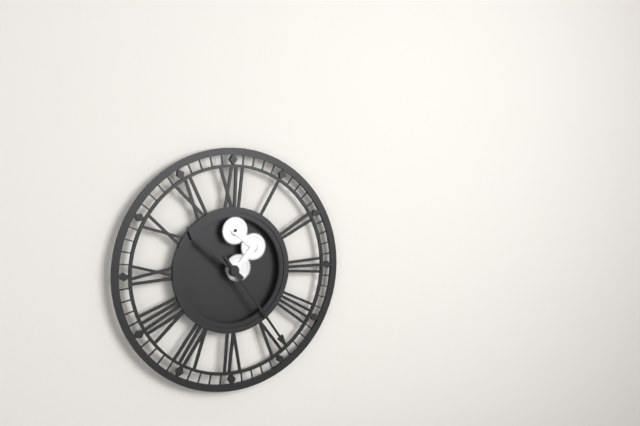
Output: 10h24
